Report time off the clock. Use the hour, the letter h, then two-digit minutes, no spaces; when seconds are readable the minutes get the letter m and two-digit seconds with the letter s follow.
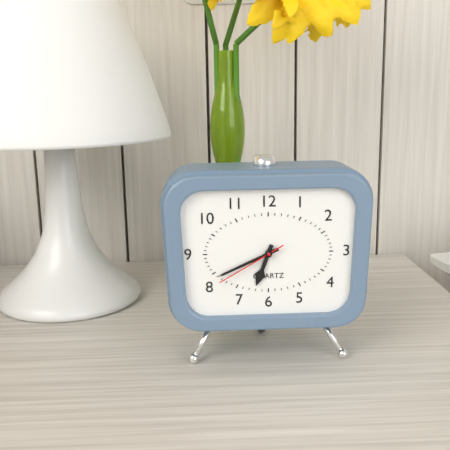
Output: 6h41m40s
